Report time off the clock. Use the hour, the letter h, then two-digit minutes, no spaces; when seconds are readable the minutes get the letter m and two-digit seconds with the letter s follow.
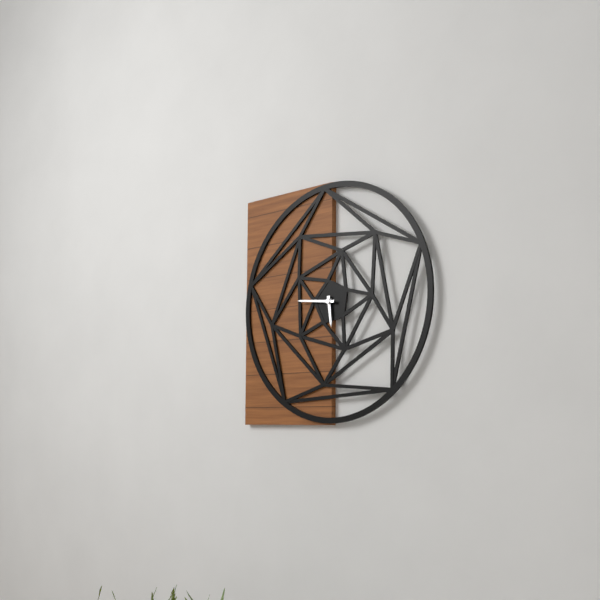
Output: 5h46
